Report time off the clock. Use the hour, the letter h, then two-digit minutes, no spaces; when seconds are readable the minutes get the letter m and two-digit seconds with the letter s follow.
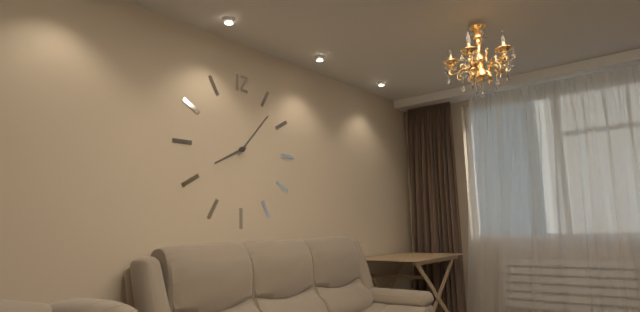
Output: 8h07
